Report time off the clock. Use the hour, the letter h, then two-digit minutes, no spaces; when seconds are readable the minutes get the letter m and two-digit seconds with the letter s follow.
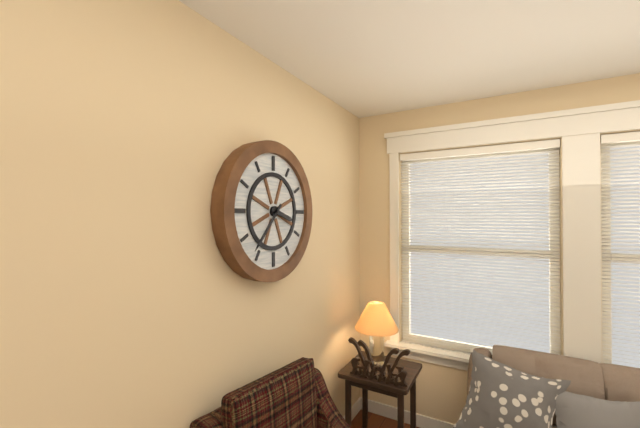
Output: 3h37
